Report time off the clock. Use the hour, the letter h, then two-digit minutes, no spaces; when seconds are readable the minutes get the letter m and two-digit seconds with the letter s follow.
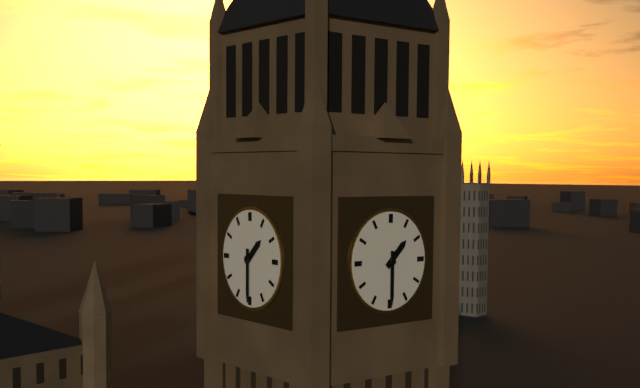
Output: 1h30
